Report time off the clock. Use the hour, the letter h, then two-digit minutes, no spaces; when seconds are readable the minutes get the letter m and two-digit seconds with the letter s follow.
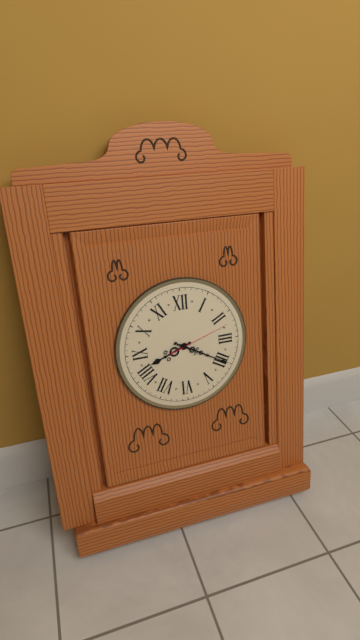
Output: 8h20m12s
